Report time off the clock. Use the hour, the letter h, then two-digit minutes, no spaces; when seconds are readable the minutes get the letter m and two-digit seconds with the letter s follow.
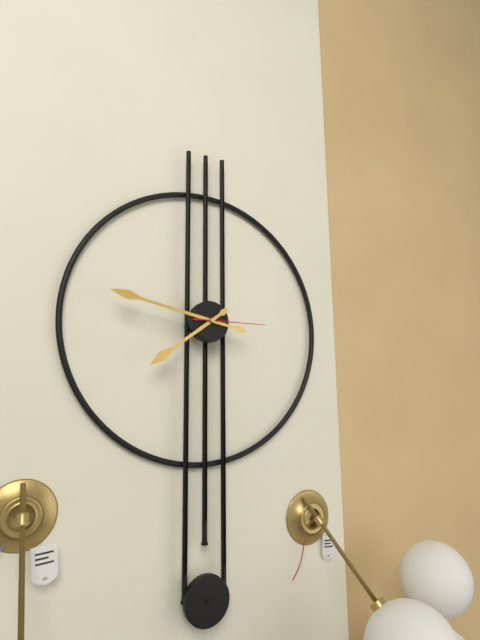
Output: 7h47m15s
